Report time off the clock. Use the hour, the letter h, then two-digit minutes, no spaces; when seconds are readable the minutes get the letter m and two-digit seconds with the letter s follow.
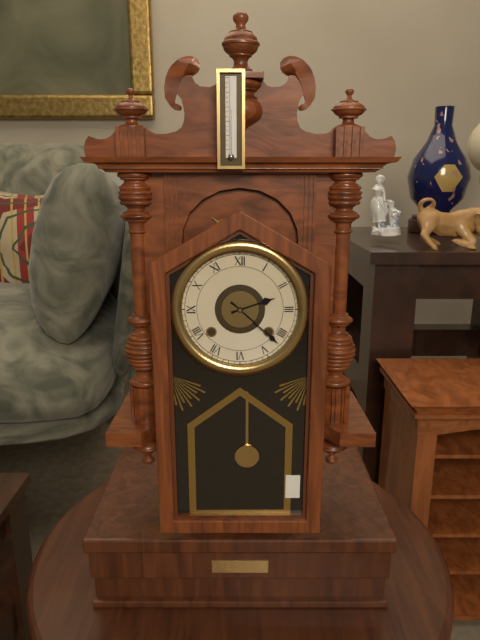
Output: 2h22
